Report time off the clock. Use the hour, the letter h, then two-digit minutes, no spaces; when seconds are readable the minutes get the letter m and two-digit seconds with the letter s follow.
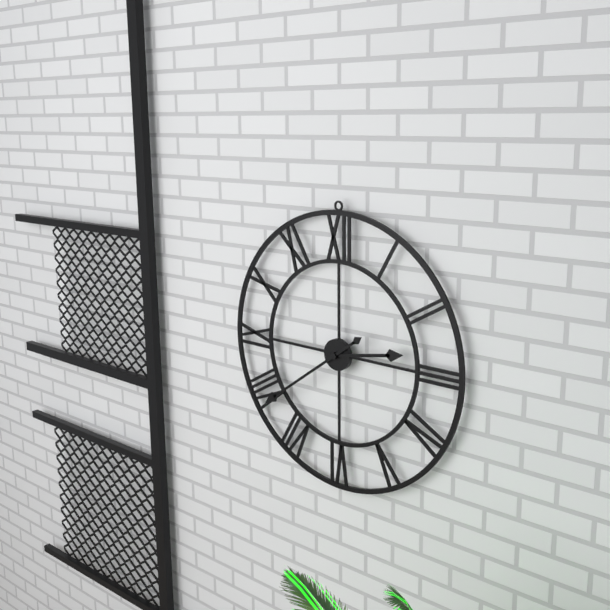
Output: 2h39
